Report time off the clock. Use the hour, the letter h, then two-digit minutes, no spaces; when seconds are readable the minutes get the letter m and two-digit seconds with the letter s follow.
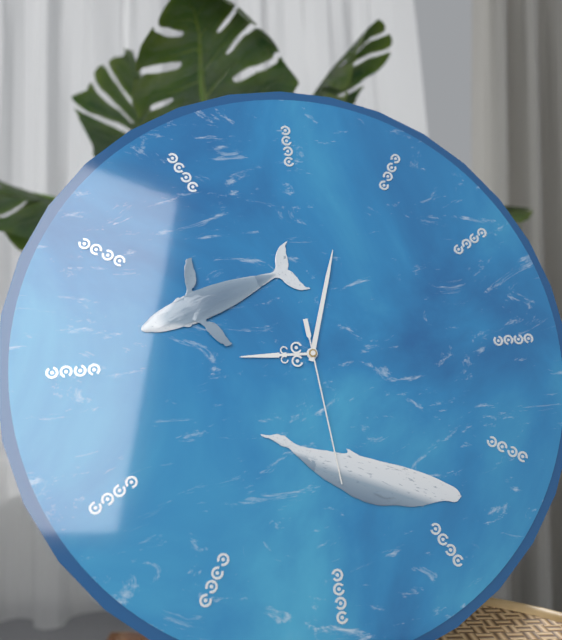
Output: 9h03m29s
